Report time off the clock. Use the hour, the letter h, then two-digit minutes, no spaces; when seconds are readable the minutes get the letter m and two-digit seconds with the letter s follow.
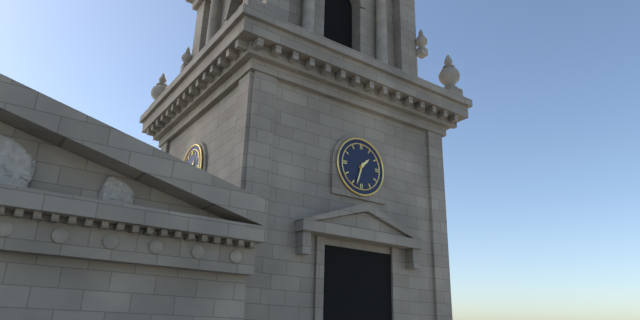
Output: 1h33
